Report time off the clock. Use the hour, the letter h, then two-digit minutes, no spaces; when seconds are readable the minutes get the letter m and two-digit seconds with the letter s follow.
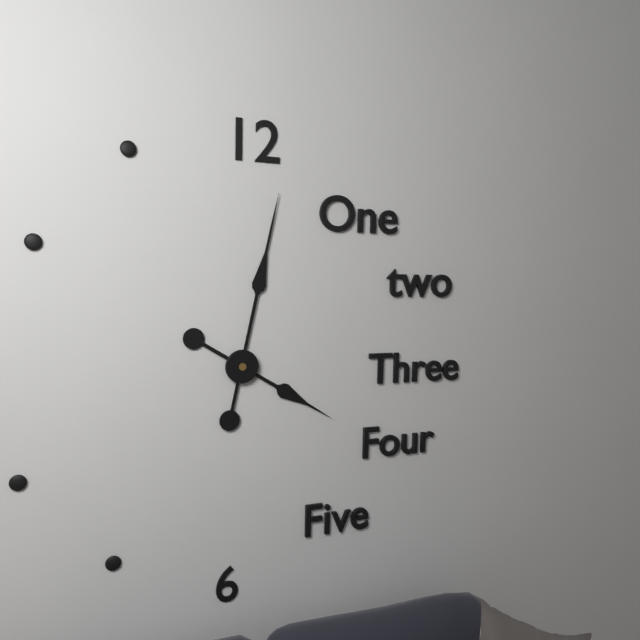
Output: 4h02
